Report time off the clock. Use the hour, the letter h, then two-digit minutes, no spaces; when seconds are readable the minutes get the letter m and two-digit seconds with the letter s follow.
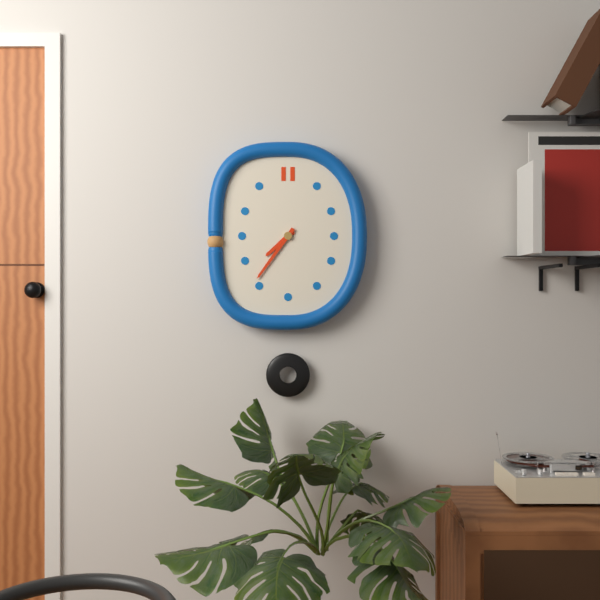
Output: 7h36
